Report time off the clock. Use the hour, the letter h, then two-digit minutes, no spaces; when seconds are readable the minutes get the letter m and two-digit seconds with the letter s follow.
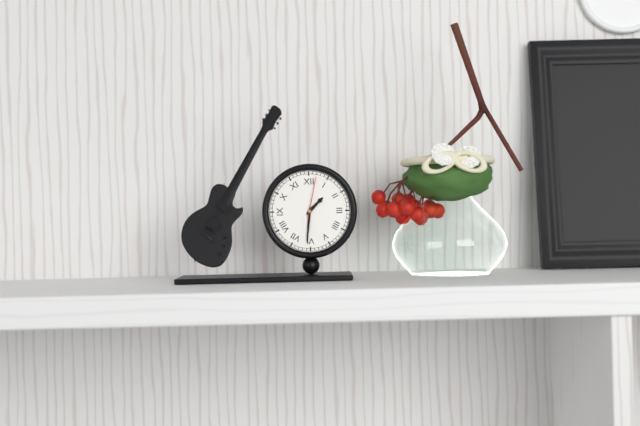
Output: 1h31
